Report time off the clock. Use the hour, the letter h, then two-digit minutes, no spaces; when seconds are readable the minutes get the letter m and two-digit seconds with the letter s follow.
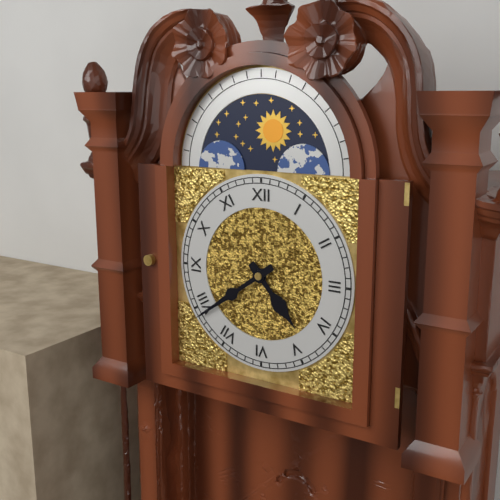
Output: 4h39
